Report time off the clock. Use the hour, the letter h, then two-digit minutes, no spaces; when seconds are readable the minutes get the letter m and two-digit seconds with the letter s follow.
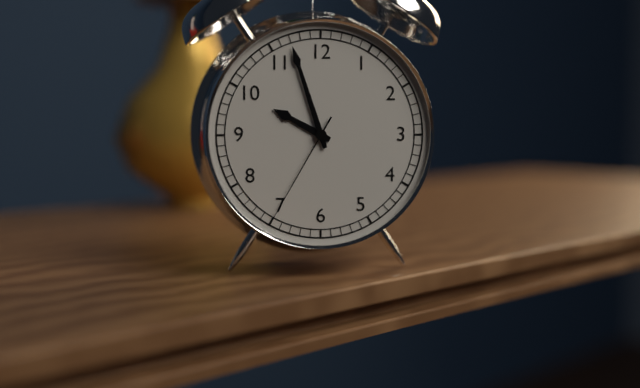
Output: 9h57m35s
